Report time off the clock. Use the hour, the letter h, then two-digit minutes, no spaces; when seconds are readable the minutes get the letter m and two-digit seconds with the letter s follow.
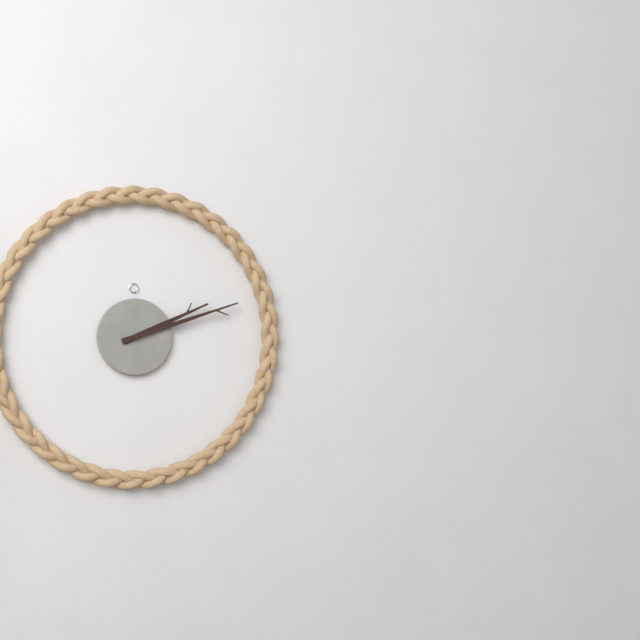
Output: 2h12
